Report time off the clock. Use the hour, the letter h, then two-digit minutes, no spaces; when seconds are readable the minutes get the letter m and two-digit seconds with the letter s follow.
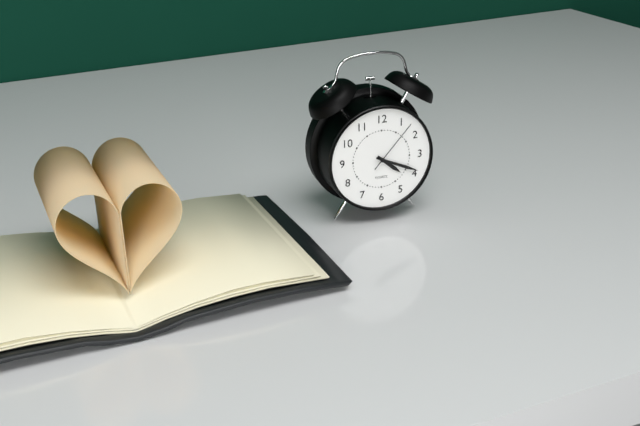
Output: 4h19m07s
